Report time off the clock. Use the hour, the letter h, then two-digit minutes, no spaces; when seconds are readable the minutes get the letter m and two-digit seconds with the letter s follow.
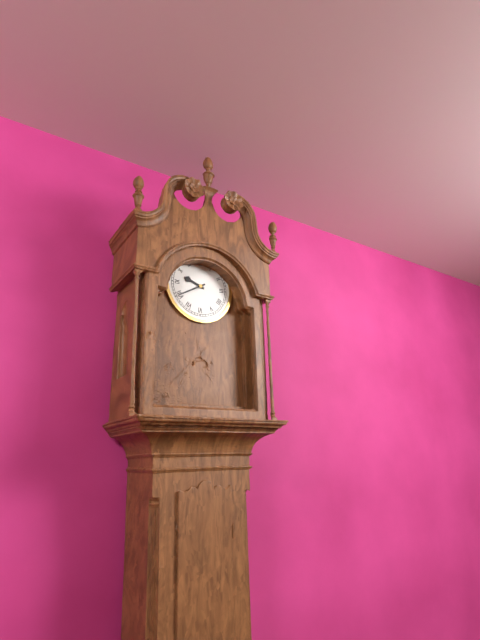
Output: 9h40
